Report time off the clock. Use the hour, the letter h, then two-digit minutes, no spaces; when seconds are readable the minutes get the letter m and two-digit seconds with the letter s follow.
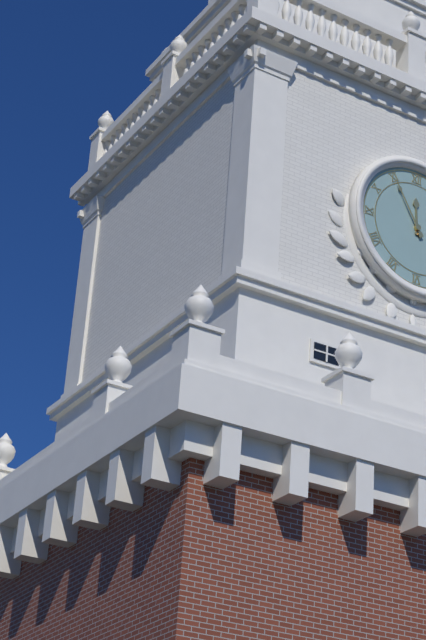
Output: 11h55
